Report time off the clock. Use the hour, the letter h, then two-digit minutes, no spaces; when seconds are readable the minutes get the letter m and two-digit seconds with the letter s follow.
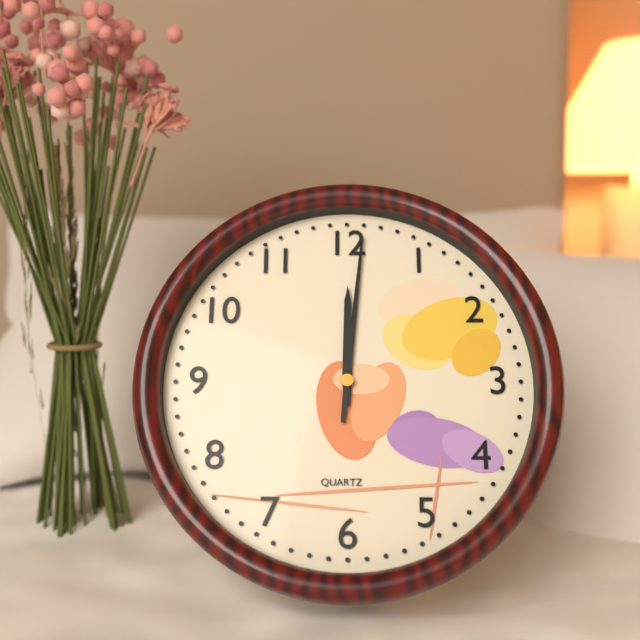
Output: 12h01
